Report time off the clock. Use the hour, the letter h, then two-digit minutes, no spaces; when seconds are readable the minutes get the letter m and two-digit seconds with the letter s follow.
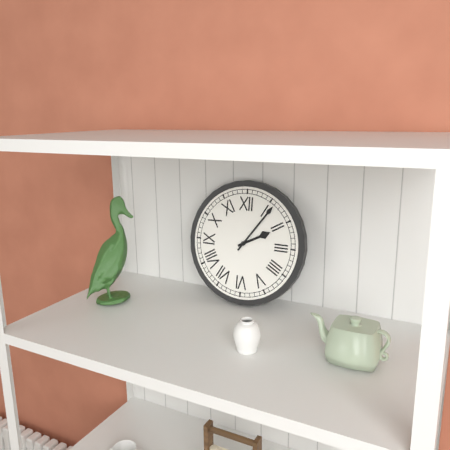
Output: 2h06
